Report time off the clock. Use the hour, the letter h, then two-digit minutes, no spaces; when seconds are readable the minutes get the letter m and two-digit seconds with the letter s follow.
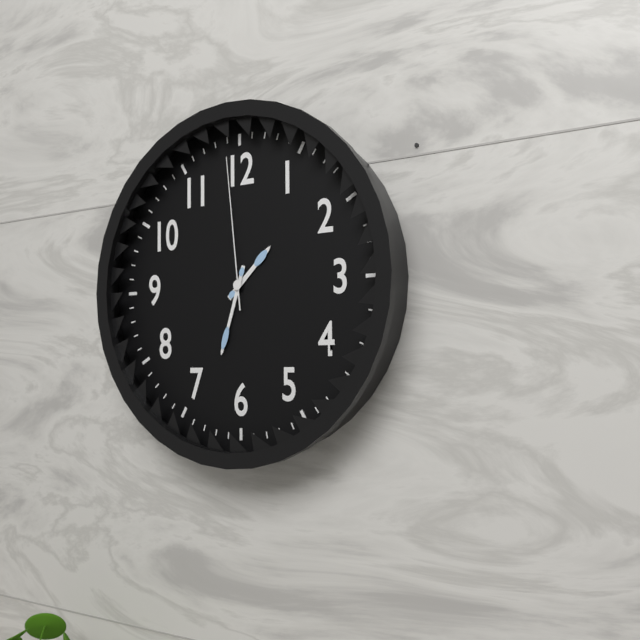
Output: 1h33m59s
